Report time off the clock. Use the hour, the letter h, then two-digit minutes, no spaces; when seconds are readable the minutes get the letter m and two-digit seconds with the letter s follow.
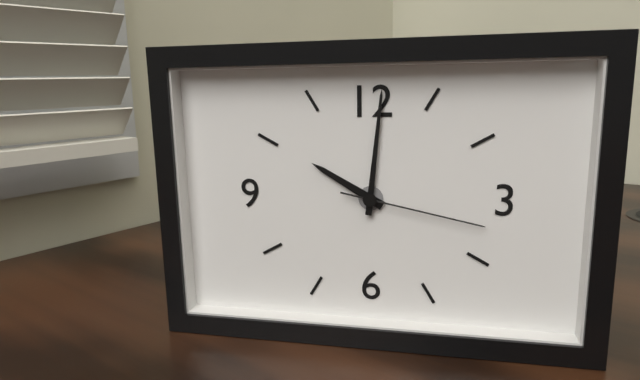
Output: 10h01m17s
